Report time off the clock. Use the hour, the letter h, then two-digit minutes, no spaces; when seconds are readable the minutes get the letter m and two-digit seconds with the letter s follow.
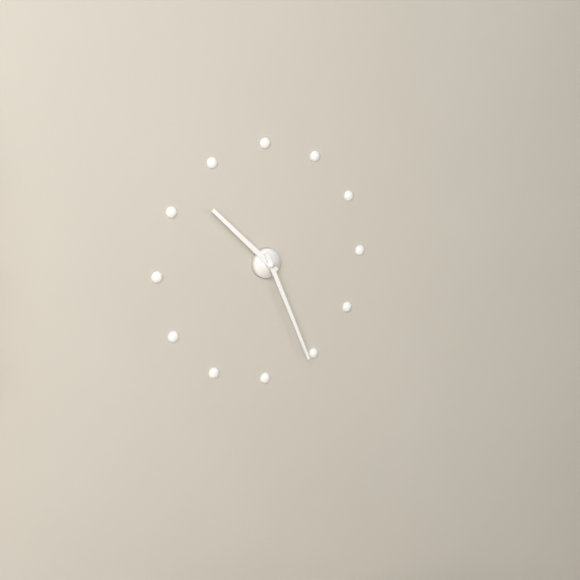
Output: 10h26
